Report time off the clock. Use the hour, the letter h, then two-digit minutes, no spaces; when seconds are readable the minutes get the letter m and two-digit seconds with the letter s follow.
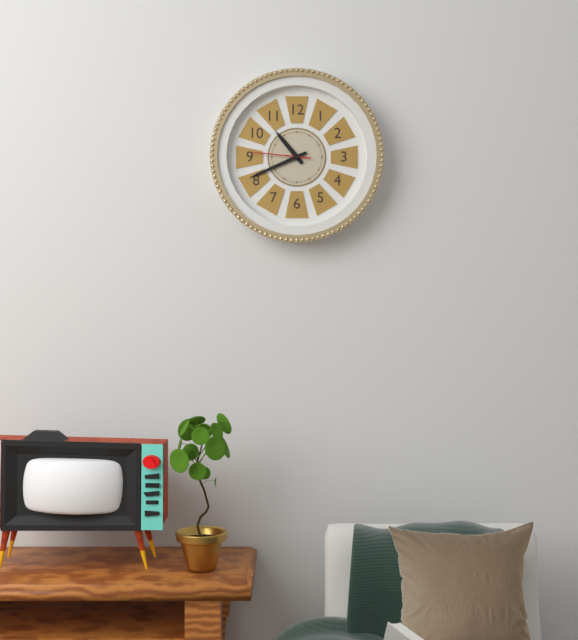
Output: 10h41m46s
